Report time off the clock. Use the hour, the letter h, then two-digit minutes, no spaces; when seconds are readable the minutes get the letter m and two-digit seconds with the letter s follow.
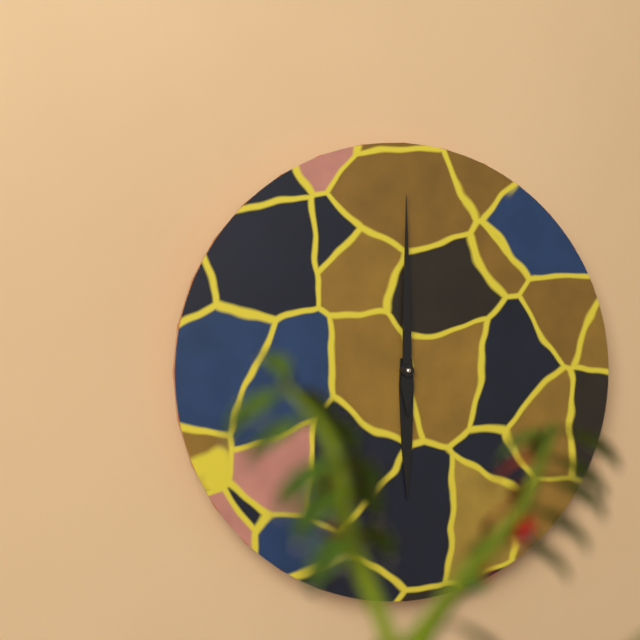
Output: 6h00
